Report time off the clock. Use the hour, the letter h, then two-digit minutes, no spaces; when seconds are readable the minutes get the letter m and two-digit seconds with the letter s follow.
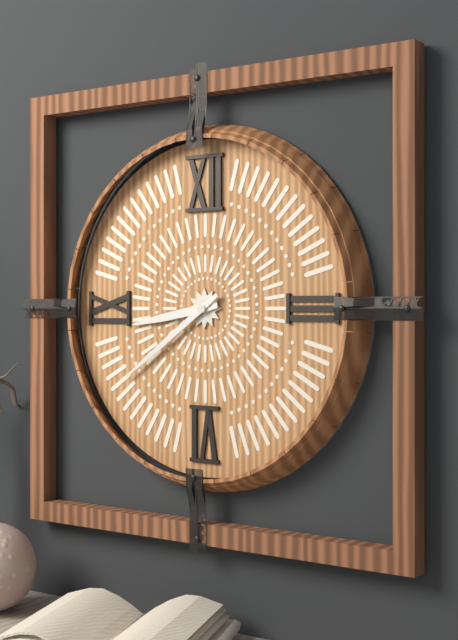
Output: 8h39
